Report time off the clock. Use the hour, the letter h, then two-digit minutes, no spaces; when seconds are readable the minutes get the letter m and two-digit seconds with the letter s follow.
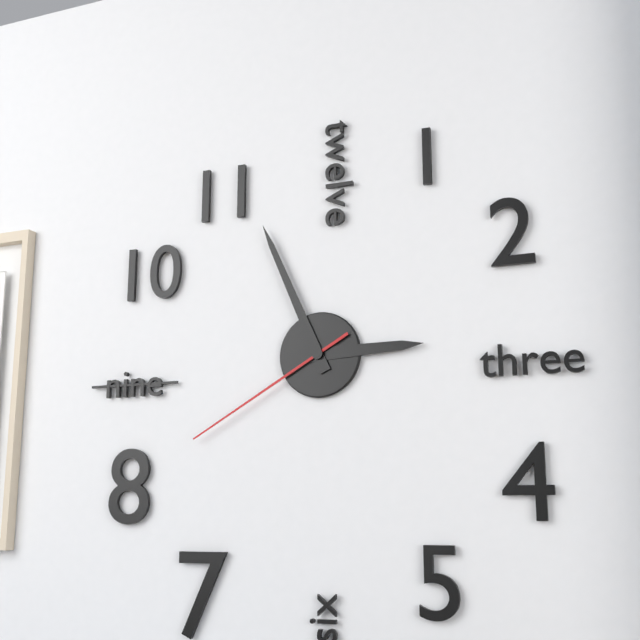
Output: 2h56m40s
